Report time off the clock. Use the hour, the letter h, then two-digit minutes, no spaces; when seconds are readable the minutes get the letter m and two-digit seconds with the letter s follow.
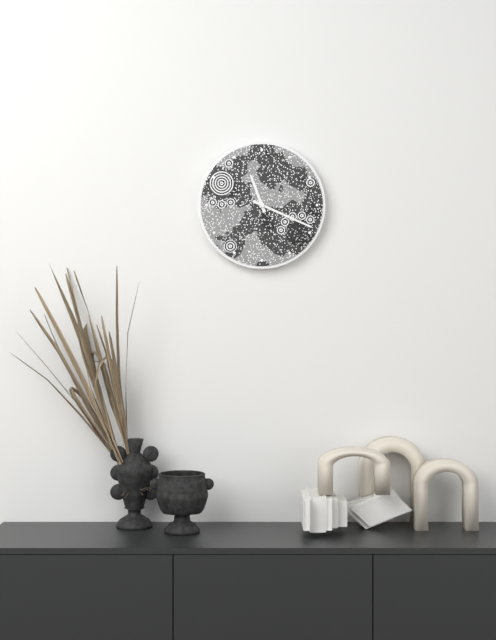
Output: 11h19
